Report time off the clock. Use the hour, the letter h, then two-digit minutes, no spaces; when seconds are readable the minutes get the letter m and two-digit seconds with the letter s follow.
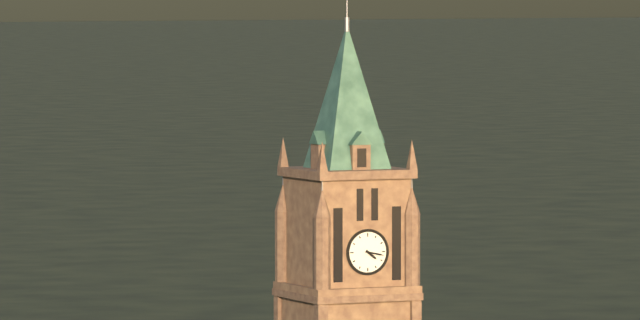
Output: 4h17
